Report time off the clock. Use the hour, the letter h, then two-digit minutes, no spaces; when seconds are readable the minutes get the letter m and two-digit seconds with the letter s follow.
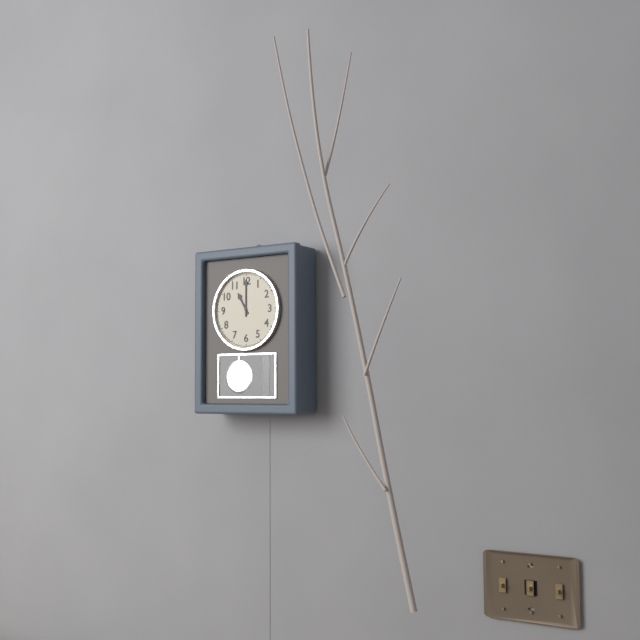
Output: 11h00
